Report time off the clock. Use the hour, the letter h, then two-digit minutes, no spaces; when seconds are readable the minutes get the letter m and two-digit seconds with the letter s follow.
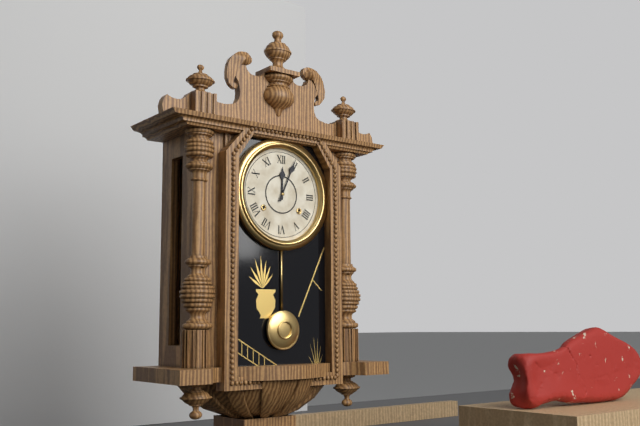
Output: 12h04
